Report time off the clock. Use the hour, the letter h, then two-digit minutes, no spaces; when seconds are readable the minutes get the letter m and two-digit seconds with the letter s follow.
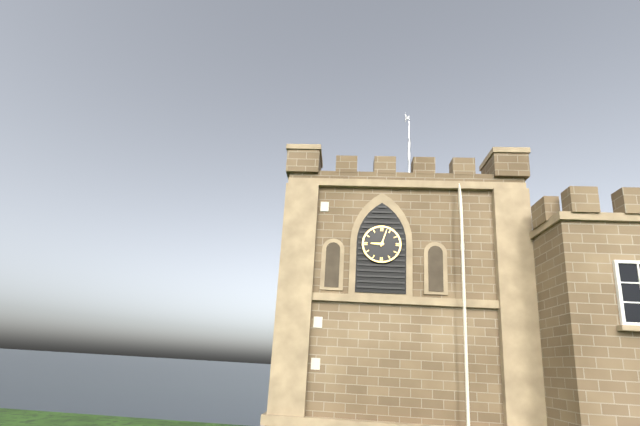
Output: 9h03
